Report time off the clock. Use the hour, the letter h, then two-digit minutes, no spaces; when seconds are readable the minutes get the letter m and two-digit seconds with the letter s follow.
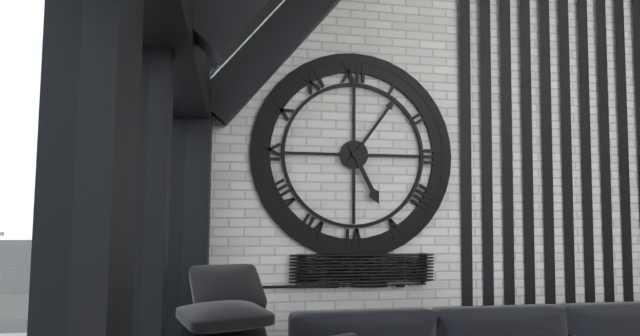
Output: 5h06
